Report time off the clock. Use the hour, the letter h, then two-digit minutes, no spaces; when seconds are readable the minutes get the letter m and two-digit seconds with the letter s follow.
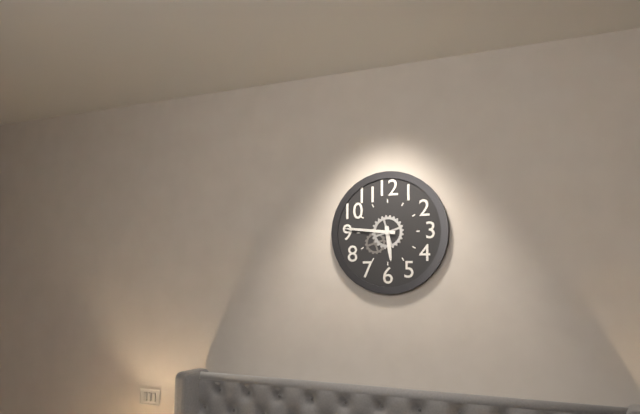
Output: 5h46
